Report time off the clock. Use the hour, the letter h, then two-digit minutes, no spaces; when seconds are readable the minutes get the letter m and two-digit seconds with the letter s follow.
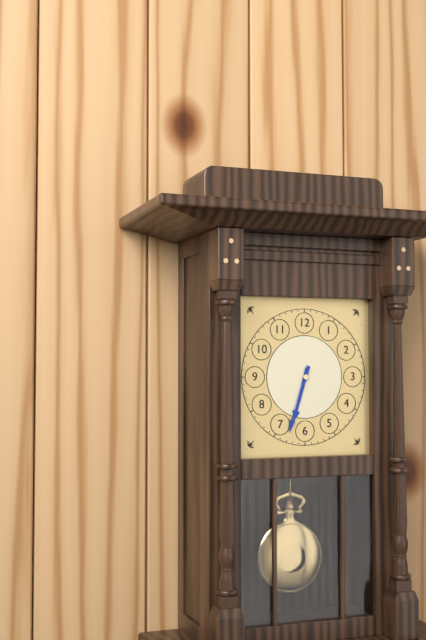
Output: 6h33
